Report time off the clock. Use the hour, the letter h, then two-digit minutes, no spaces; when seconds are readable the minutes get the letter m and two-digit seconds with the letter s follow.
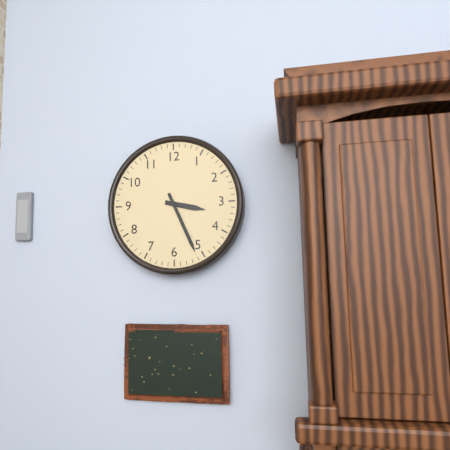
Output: 3h26
